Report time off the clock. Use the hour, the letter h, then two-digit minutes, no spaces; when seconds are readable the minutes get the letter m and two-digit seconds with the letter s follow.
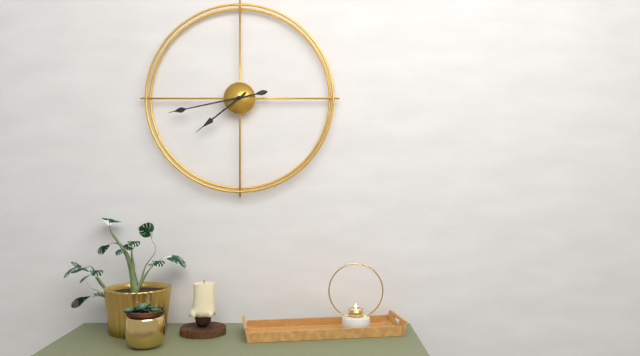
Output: 7h43
